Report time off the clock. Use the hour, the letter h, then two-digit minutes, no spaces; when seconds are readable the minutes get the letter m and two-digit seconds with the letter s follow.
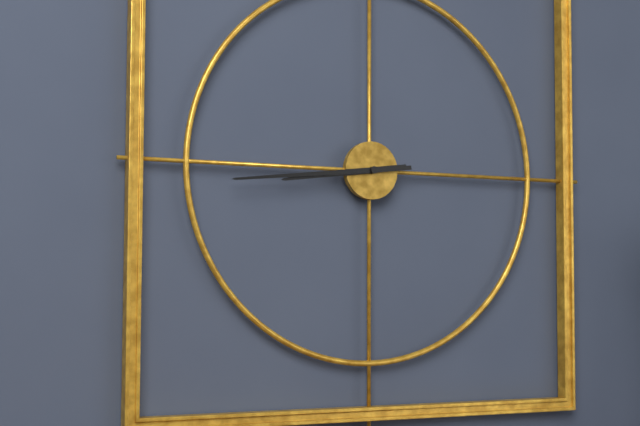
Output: 8h44
